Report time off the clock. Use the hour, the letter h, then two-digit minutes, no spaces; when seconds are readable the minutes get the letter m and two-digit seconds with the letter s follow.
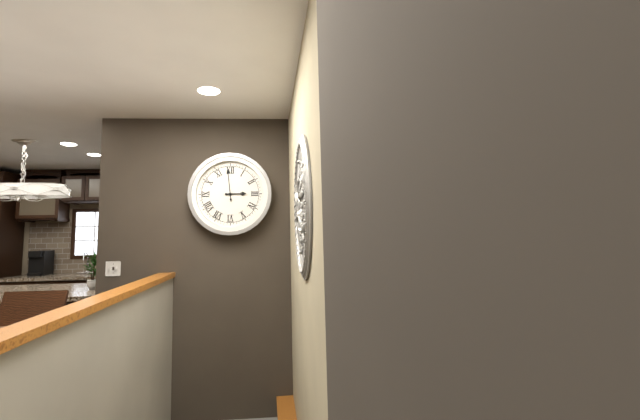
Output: 2h59
